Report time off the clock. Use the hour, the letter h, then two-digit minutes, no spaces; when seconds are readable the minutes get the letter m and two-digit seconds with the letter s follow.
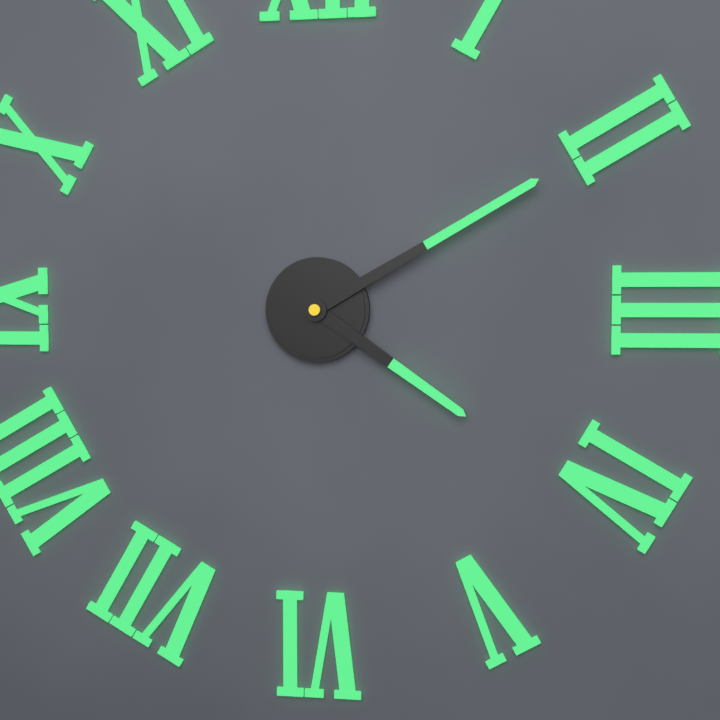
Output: 4h10
